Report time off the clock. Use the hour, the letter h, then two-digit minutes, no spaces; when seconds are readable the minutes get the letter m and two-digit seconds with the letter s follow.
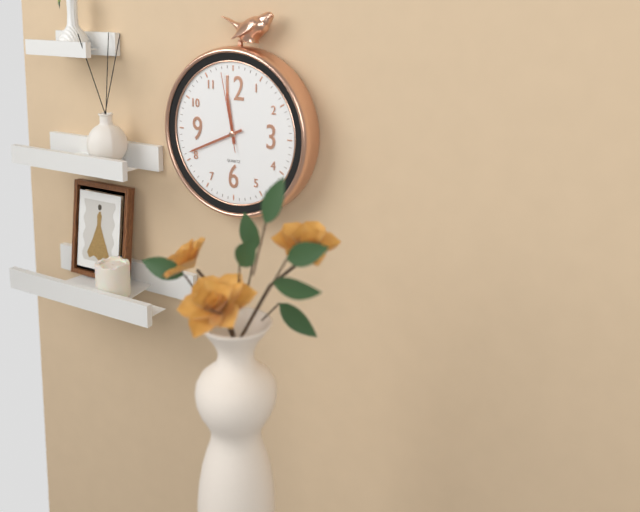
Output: 11h41m58s
